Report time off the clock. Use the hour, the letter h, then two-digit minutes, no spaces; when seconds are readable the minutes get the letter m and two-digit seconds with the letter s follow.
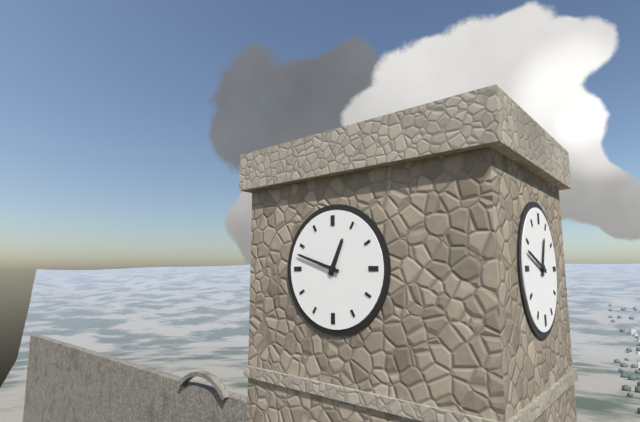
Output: 12h48
